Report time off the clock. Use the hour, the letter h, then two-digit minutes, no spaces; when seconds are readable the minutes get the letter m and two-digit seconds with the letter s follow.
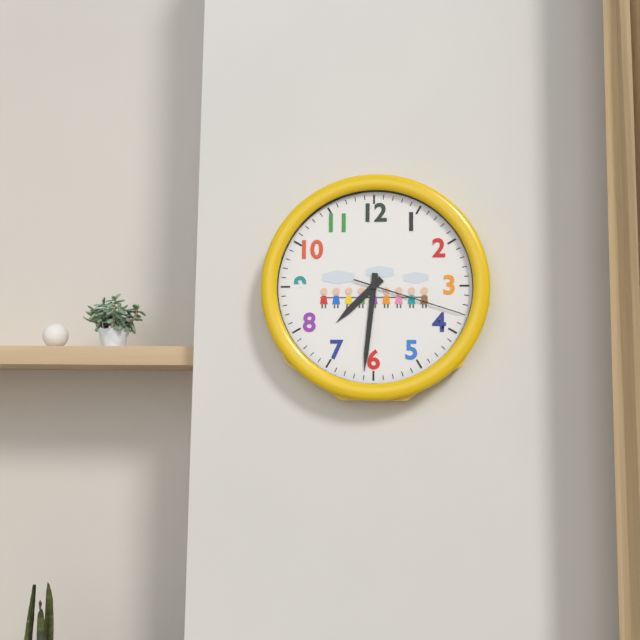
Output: 7h31m18s
